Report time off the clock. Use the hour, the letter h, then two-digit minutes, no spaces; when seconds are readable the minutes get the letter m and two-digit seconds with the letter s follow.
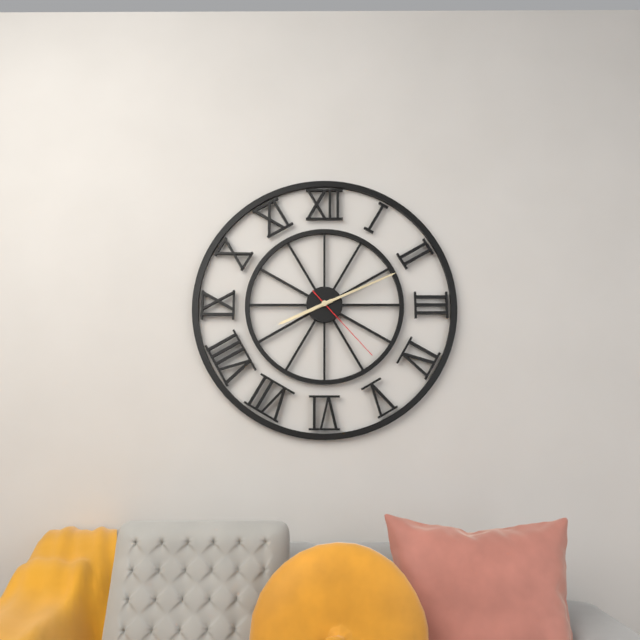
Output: 8h11m23s
